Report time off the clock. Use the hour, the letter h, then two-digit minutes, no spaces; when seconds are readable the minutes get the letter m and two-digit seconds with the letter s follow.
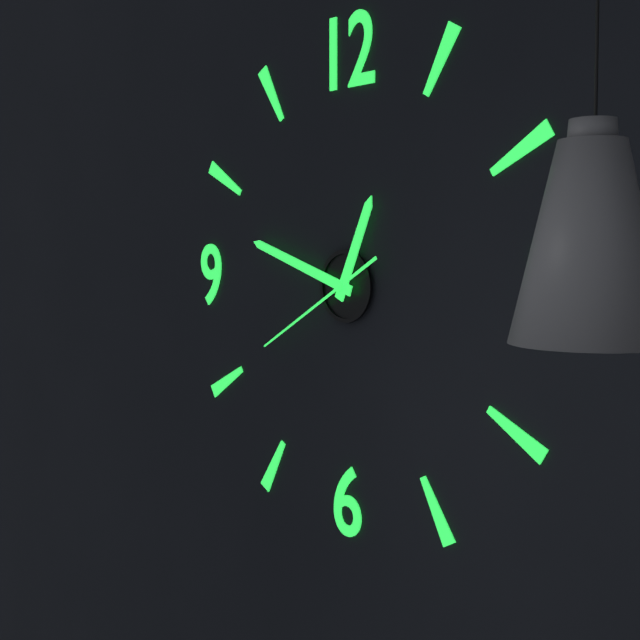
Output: 12h48m40s
